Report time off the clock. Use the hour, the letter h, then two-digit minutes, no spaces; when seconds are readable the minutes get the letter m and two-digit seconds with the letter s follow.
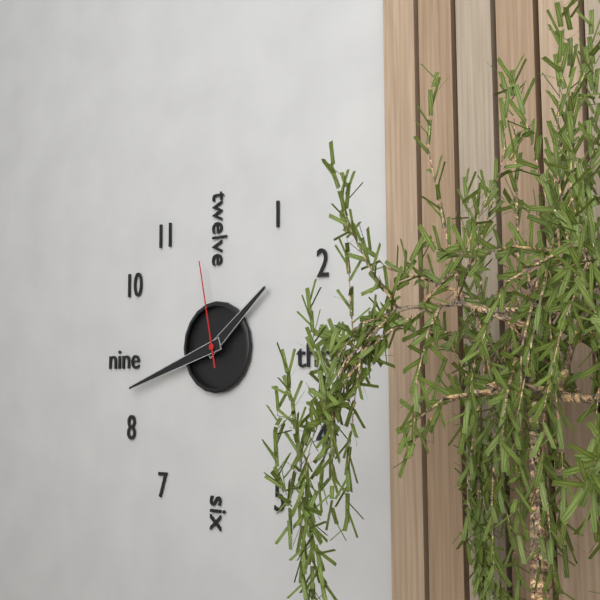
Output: 1h42m58s
